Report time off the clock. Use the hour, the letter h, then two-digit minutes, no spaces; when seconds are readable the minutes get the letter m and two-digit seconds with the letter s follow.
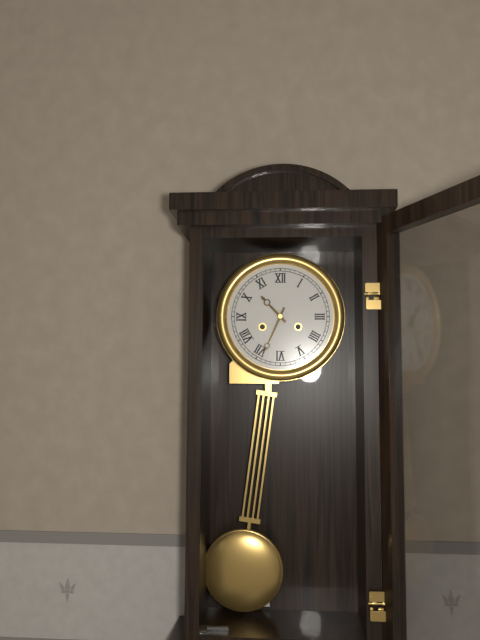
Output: 10h34
